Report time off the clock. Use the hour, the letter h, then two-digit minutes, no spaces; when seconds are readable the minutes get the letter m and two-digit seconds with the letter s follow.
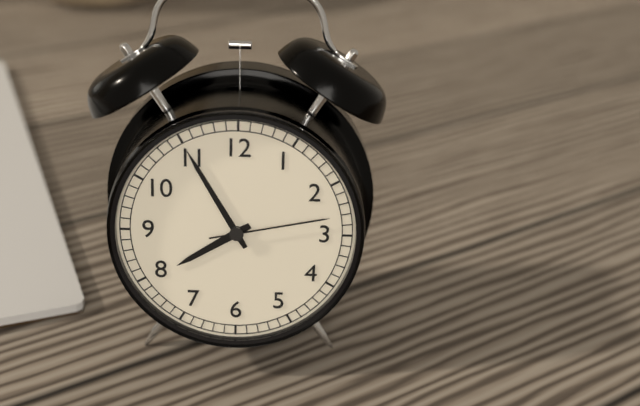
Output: 7h55m13s
